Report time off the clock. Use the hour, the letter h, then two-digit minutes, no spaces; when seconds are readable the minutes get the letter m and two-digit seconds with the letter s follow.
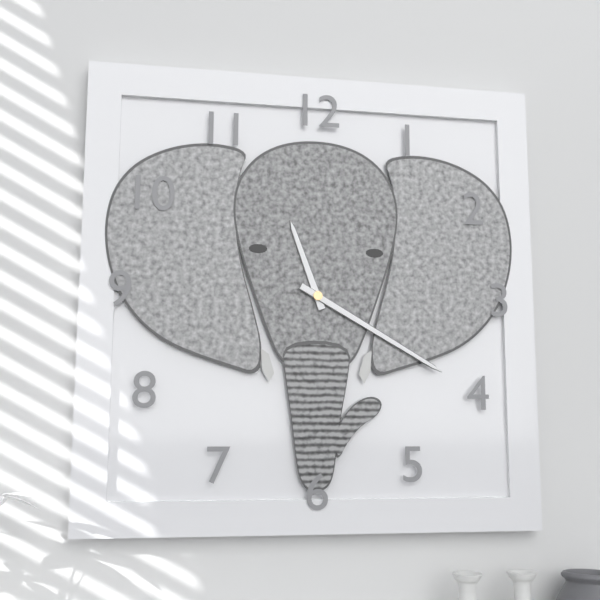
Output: 11h20
